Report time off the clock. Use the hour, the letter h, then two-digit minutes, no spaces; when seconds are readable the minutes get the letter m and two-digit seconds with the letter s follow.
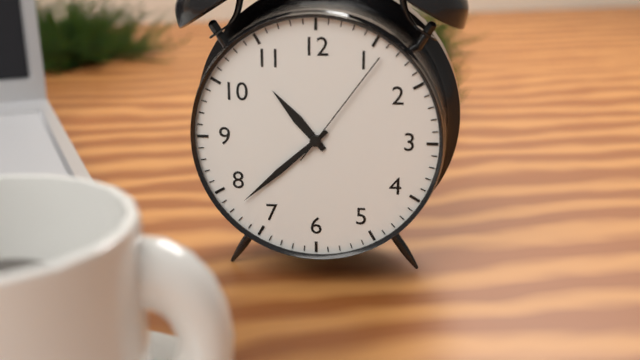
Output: 10h38m06s
